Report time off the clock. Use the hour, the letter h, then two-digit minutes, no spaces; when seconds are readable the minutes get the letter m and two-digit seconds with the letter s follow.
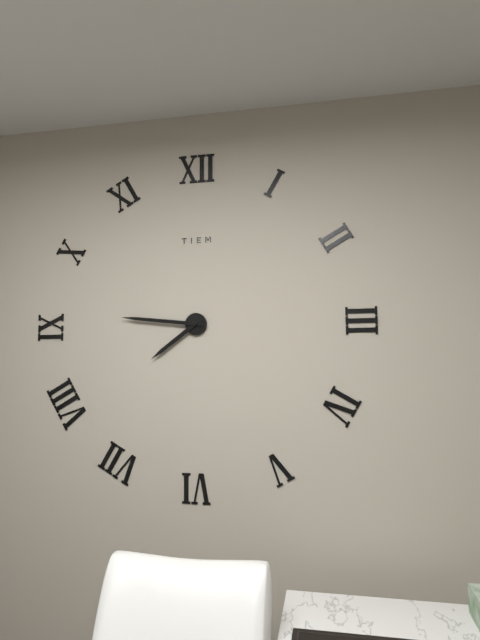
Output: 7h46
